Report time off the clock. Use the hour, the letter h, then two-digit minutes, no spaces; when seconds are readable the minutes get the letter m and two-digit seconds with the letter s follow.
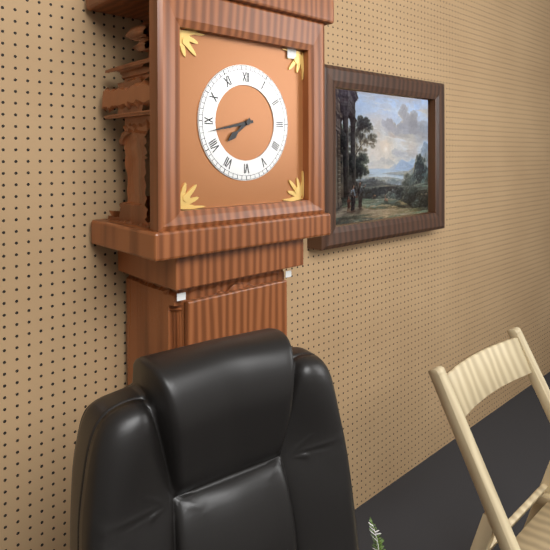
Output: 7h43
